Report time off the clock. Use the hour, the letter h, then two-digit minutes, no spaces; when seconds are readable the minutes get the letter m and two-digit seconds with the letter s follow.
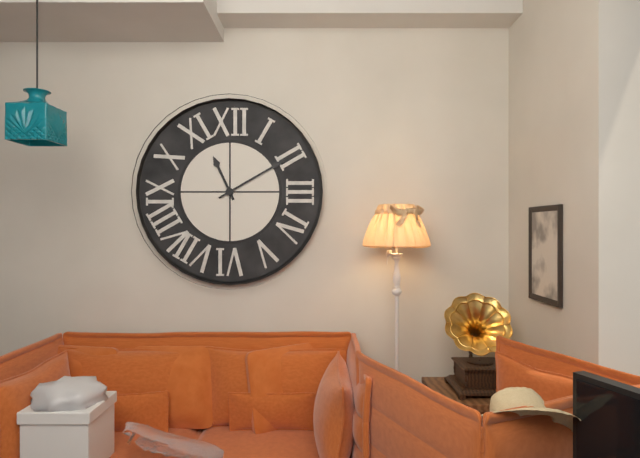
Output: 11h10
